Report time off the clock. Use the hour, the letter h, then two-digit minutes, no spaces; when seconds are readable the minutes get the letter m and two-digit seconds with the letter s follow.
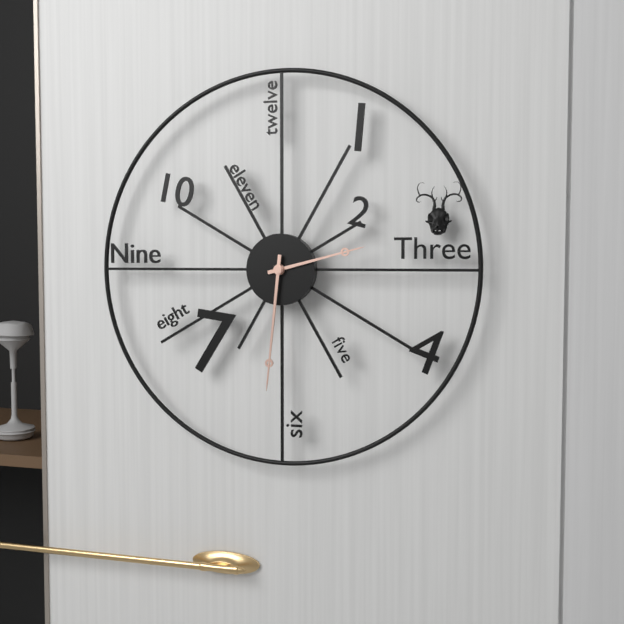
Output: 2h31
